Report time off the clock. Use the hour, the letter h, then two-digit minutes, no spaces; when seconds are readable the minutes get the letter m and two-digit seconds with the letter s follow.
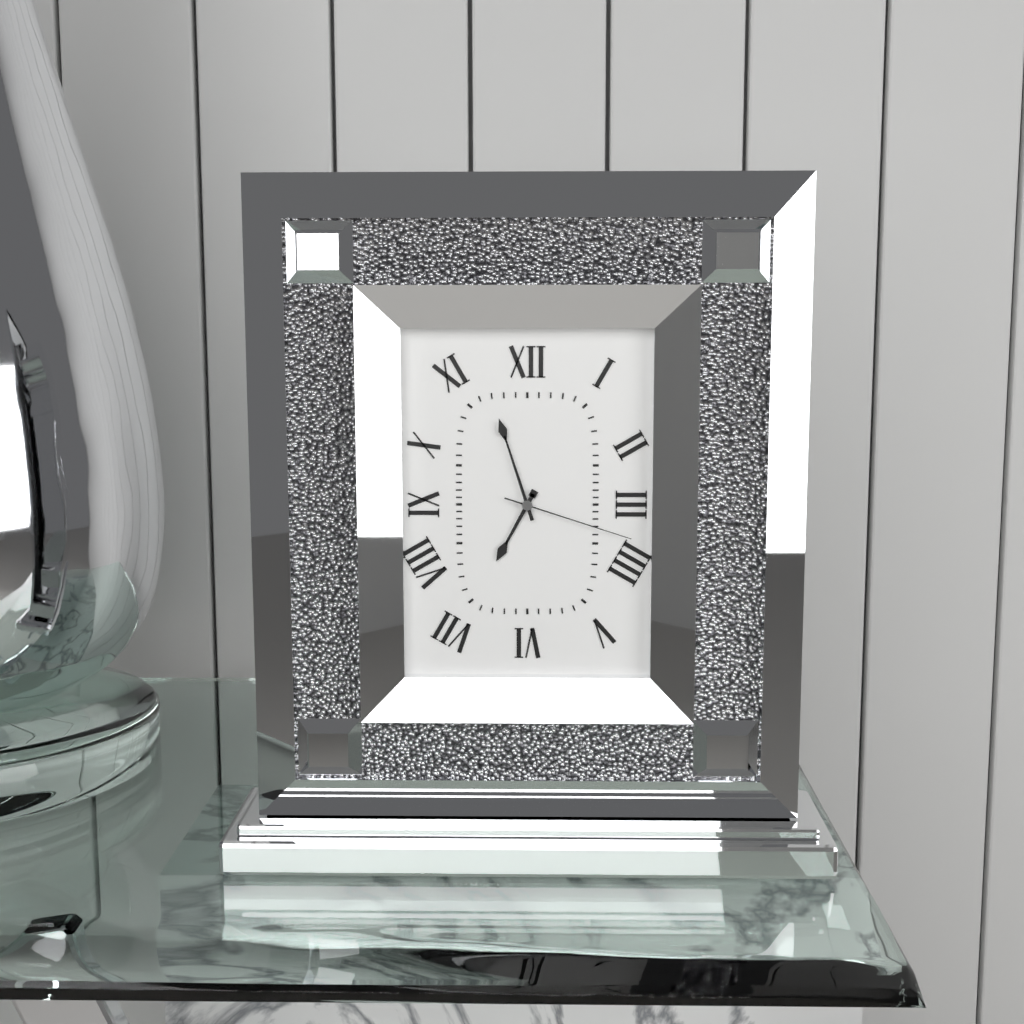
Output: 6h57m18s
